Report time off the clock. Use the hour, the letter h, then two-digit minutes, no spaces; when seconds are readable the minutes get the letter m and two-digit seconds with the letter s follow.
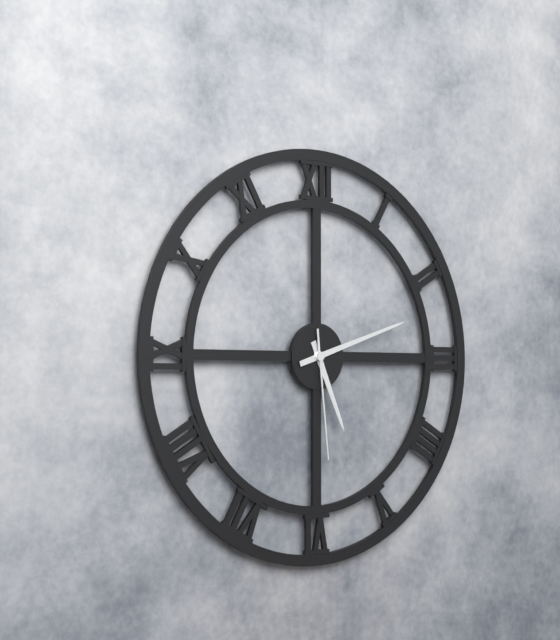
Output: 5h12m29s
